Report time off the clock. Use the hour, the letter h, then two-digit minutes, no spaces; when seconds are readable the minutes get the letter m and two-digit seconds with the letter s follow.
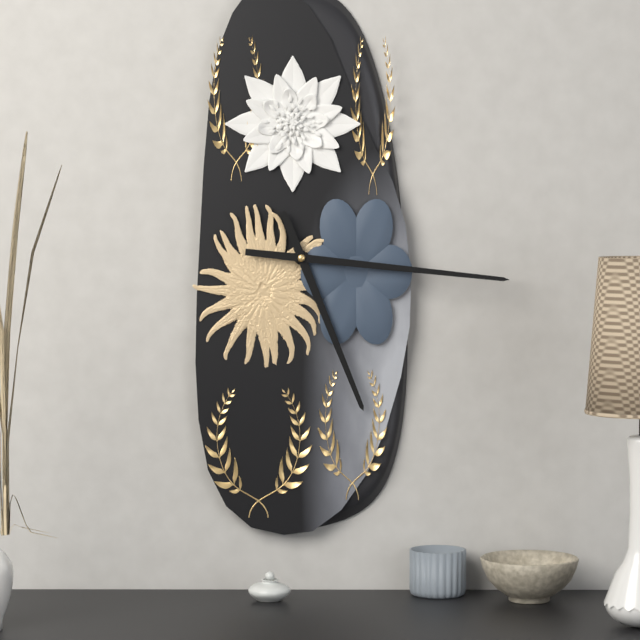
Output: 5h16
